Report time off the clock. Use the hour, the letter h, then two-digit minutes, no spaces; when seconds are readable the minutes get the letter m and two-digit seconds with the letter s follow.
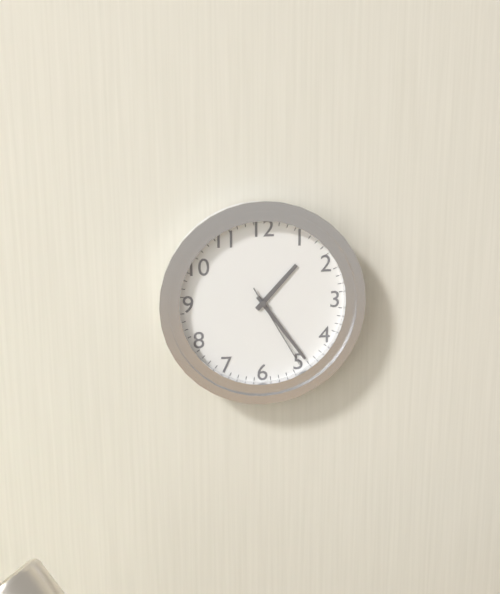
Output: 1h24m25s
